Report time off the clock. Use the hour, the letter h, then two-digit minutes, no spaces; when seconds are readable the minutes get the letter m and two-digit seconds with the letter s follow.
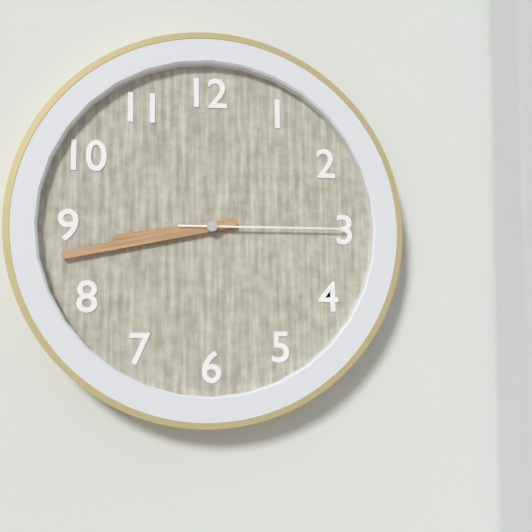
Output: 8h43m15s
